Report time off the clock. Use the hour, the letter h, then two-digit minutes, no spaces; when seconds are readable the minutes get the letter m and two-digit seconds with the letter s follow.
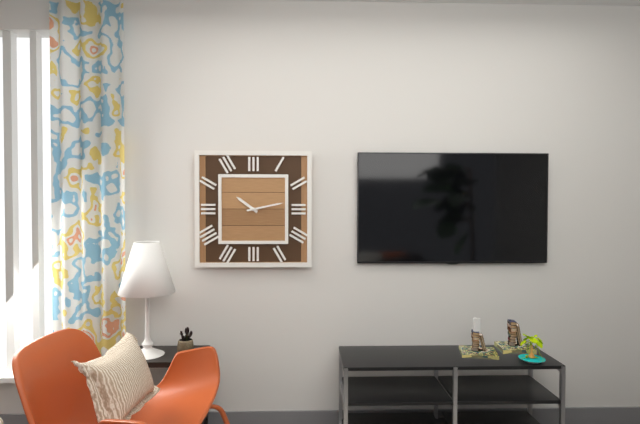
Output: 10h13
